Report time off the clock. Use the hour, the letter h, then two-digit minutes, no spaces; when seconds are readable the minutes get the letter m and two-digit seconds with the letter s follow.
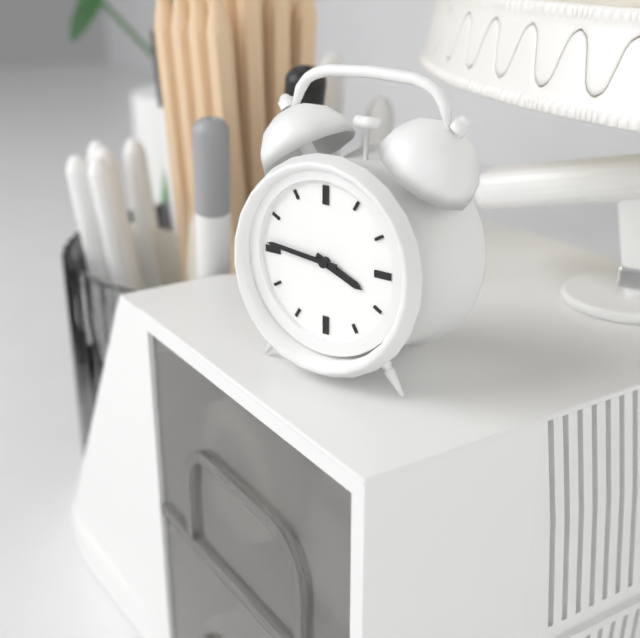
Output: 3h46
